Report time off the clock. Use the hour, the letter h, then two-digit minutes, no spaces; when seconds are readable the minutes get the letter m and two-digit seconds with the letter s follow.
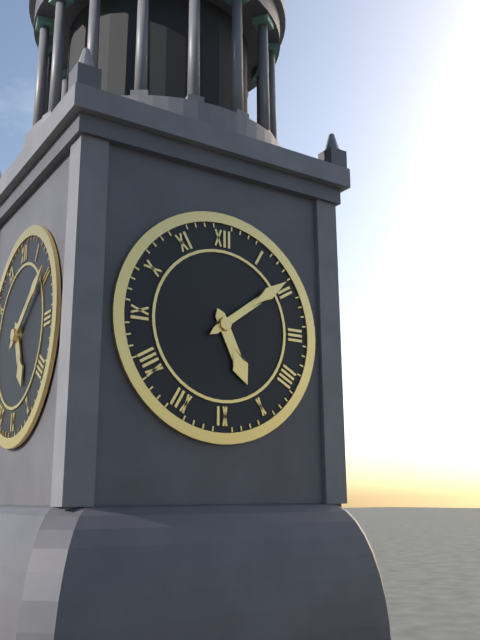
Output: 5h09
